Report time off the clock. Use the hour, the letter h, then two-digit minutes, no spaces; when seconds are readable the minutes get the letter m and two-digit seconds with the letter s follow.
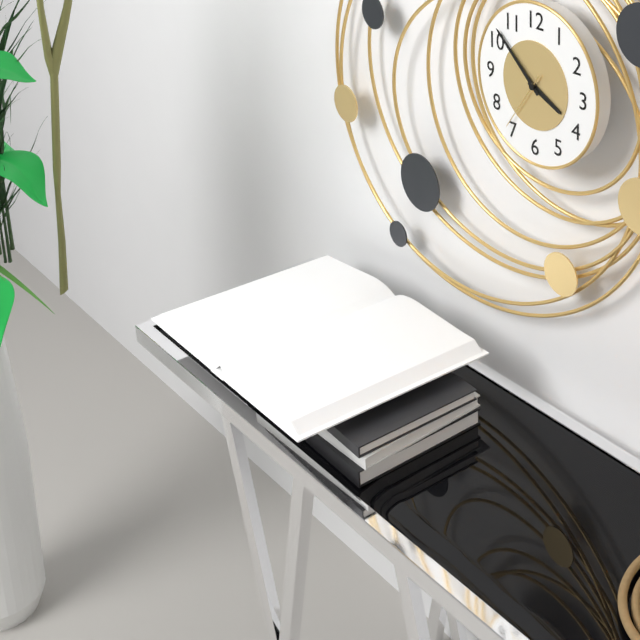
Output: 3h52m36s
